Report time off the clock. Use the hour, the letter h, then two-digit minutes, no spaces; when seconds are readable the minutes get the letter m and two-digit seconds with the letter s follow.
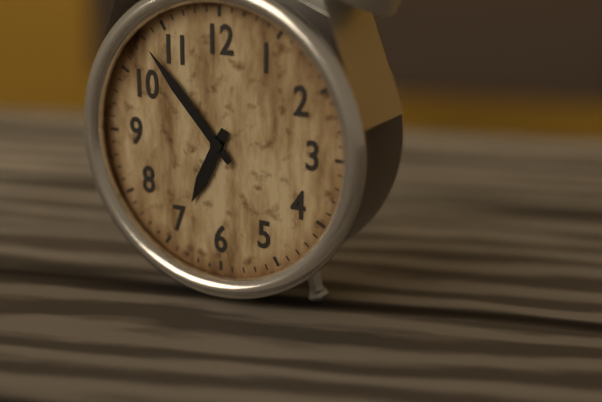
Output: 6h53
